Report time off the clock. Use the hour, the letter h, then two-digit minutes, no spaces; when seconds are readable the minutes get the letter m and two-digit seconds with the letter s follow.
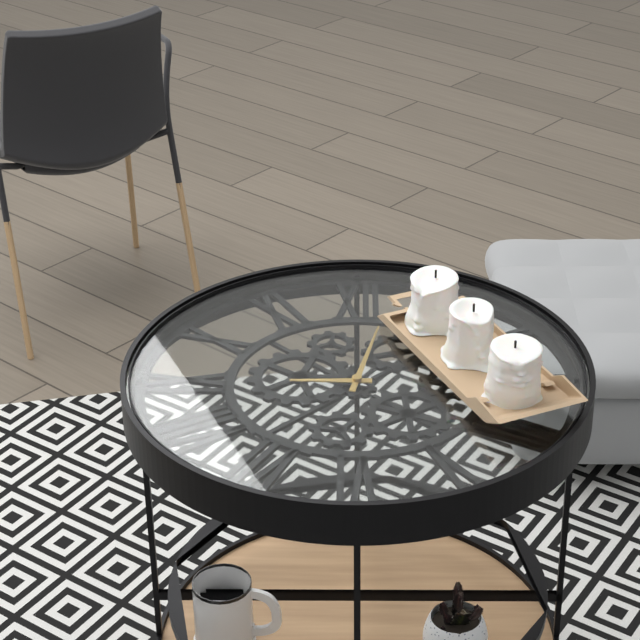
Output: 9h02
